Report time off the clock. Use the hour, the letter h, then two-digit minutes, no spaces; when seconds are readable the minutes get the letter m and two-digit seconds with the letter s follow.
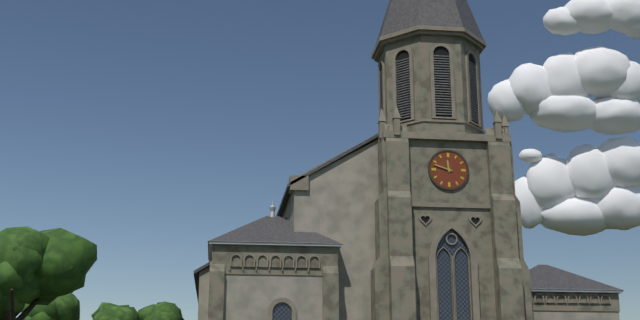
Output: 11h48
